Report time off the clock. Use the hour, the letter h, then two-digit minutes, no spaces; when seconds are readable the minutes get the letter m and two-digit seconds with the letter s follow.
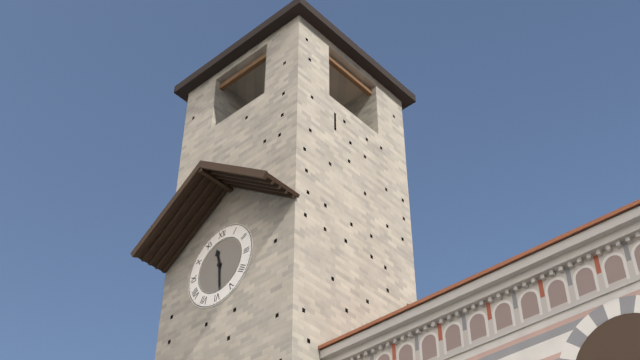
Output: 11h29
